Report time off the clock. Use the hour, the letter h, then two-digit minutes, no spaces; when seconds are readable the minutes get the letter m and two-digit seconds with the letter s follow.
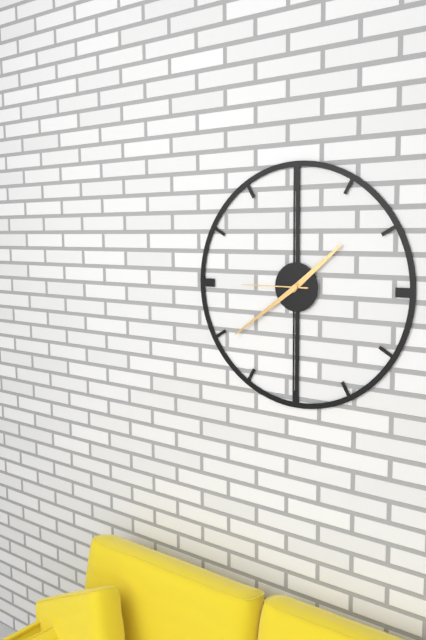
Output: 1h39m45s
